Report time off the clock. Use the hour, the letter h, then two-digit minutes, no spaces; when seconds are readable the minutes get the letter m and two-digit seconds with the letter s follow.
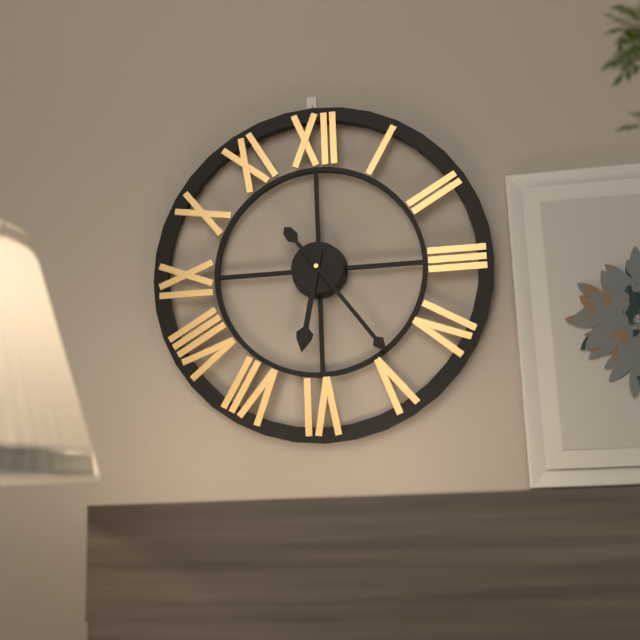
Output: 6h24
